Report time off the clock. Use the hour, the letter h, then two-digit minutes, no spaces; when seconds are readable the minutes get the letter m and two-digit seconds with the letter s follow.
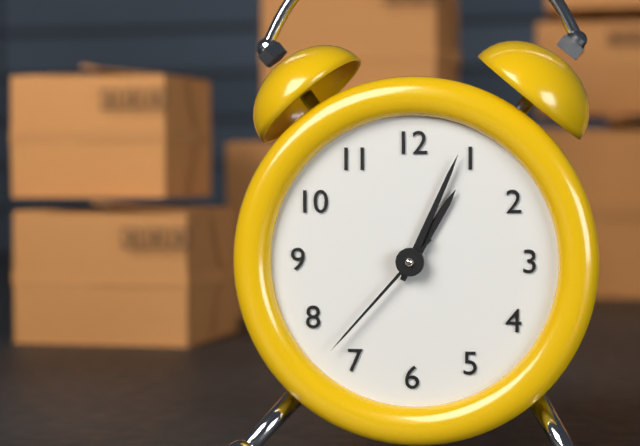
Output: 1h04m37s
